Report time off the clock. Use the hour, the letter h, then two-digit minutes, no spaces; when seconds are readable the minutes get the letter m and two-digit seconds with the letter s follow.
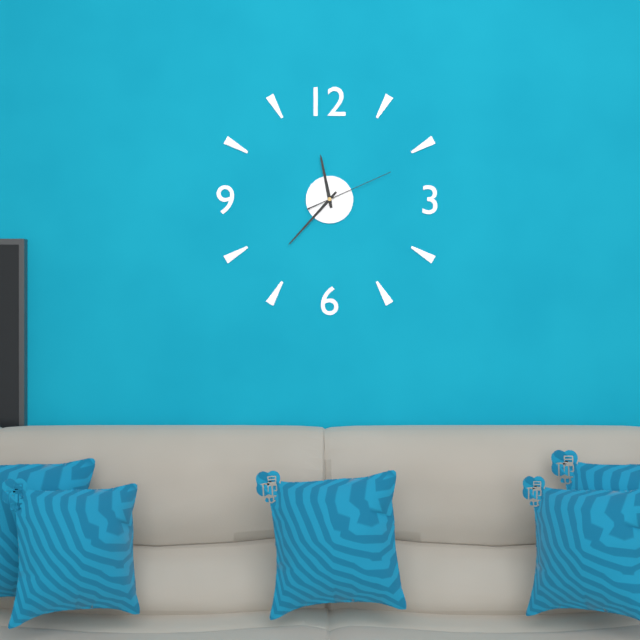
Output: 11h37m11s
